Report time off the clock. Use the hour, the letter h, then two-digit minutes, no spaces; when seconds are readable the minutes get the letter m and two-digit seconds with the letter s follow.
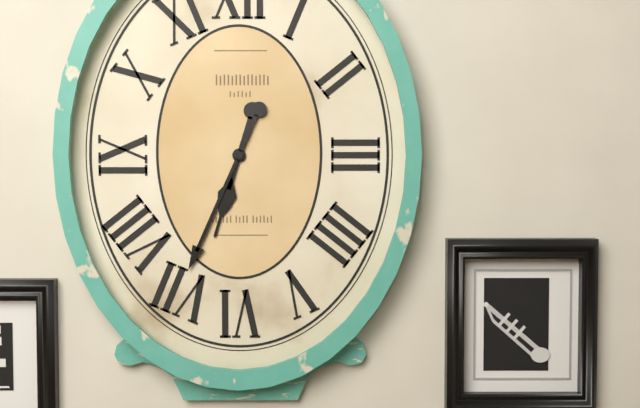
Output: 6h34
